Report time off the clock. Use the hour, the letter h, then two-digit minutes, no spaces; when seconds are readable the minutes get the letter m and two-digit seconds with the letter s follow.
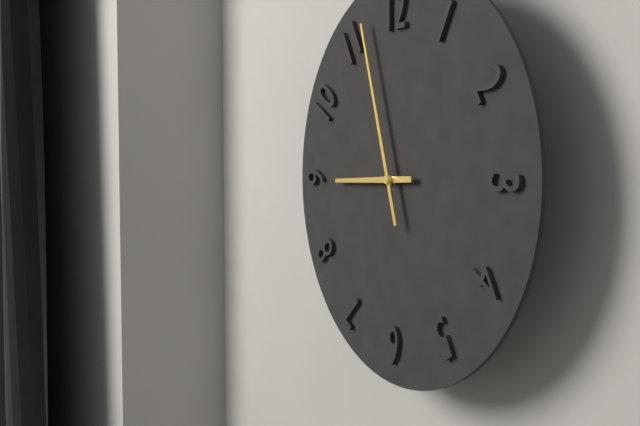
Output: 8h57
